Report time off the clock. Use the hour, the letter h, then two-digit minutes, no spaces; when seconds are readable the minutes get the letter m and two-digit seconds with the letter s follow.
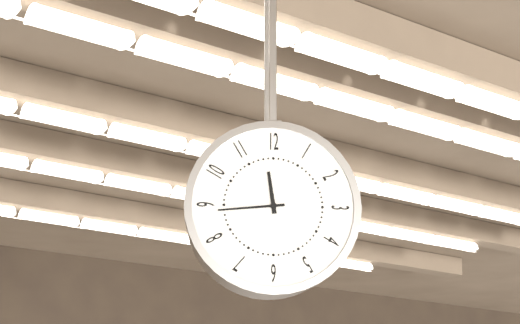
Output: 11h44
